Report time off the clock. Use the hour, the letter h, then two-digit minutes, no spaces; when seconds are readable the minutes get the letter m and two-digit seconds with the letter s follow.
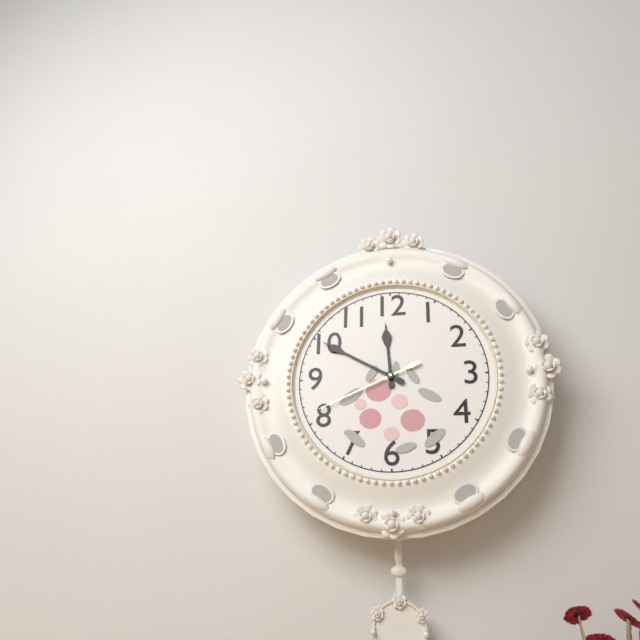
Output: 11h50m41s
